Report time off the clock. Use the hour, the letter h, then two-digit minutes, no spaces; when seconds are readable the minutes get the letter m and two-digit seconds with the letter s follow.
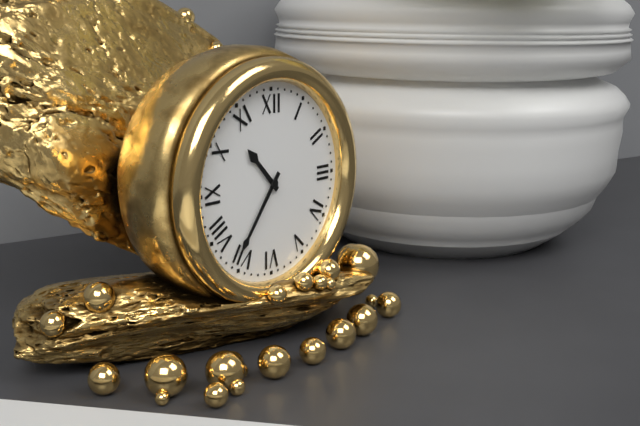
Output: 10h36
